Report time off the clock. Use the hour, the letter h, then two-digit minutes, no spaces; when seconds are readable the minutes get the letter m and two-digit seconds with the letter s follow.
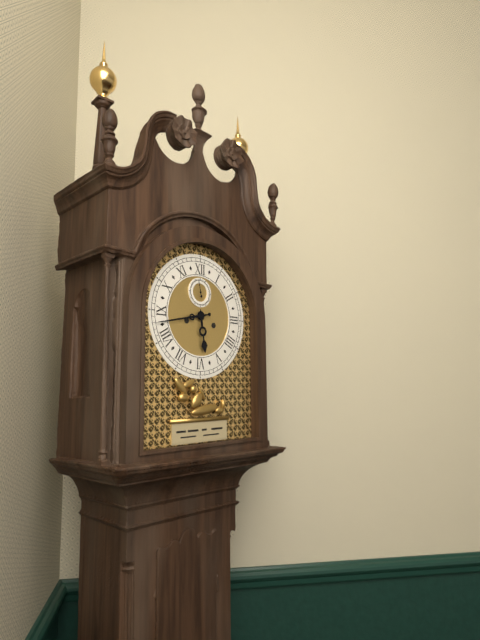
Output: 5h43
